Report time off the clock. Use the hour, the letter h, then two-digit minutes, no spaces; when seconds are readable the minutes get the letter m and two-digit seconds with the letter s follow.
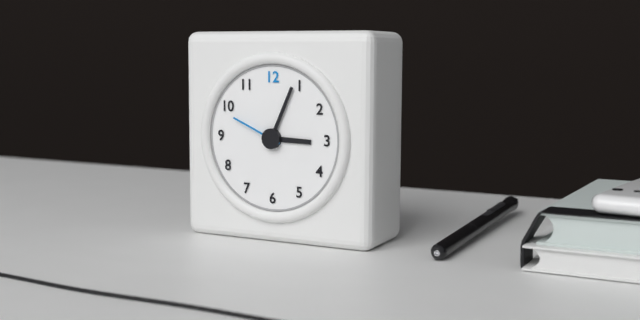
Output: 3h04m49s
